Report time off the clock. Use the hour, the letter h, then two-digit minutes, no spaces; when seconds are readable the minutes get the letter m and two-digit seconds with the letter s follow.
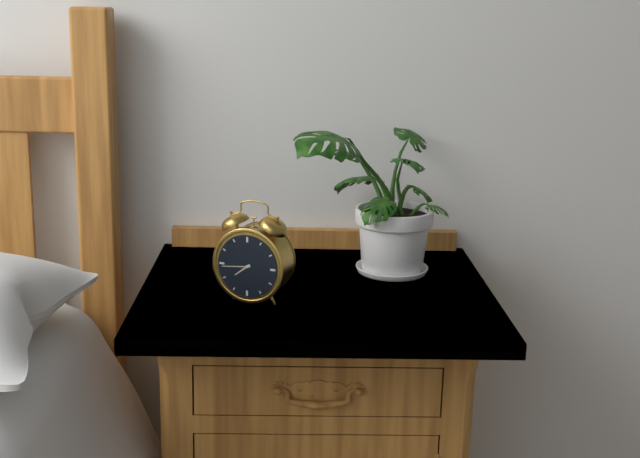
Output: 7h44
